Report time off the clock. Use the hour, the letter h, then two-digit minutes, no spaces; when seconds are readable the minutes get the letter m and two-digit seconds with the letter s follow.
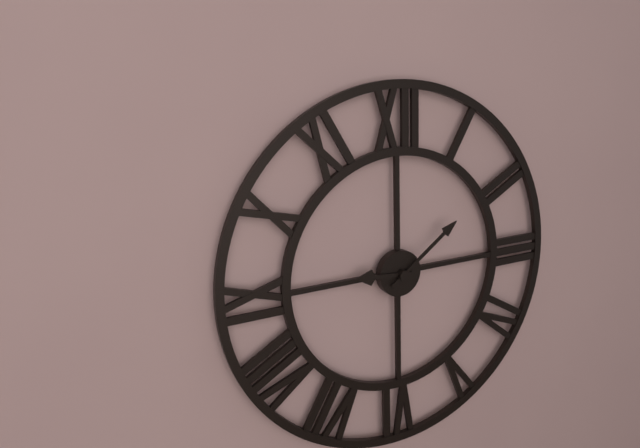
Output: 9h09
